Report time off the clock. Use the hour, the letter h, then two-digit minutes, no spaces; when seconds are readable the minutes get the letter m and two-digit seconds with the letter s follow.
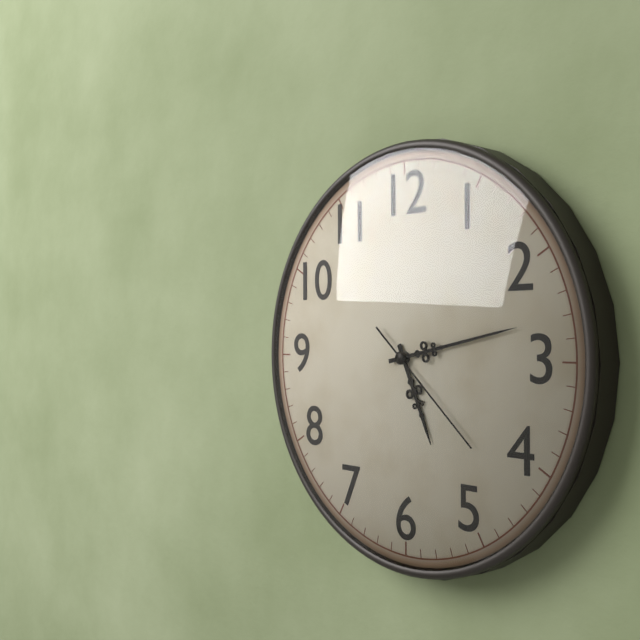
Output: 5h13m22s
